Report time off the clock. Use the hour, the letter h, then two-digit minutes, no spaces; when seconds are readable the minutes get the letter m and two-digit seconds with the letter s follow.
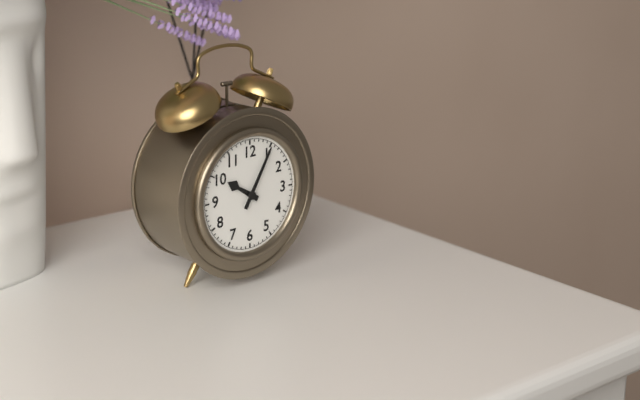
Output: 10h05
